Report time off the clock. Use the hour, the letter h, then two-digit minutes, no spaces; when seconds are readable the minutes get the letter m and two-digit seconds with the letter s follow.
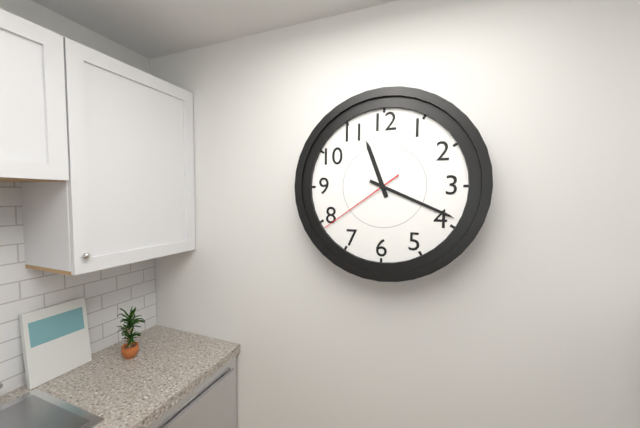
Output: 11h19m39s
